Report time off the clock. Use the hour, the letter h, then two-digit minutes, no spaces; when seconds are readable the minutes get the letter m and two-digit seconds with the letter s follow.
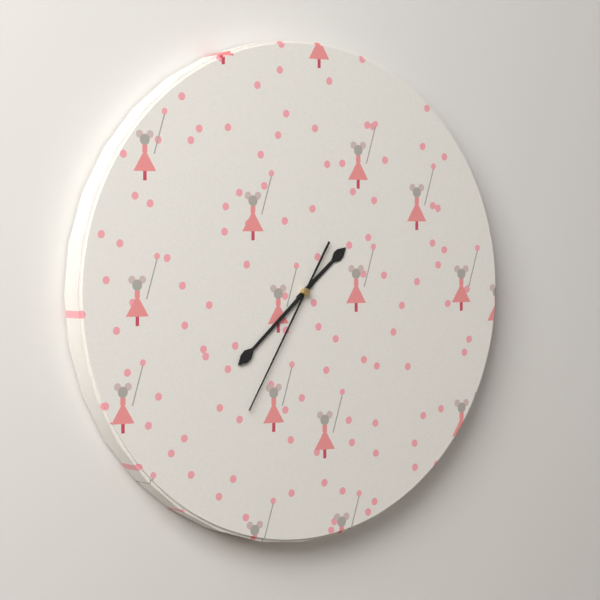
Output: 1h38m35s
